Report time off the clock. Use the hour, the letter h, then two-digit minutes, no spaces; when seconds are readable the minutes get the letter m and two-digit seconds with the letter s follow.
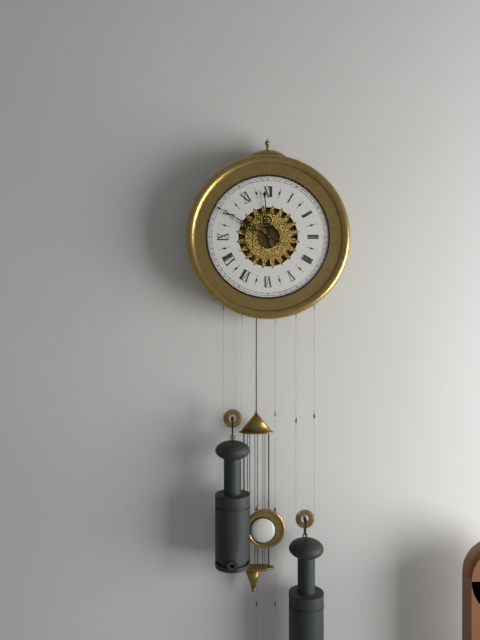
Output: 11h50
